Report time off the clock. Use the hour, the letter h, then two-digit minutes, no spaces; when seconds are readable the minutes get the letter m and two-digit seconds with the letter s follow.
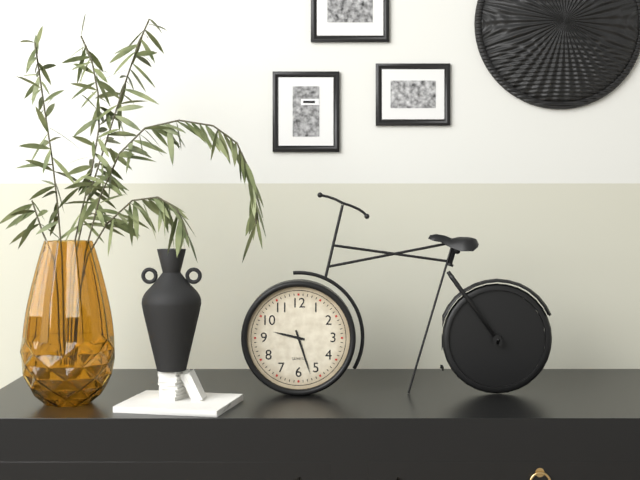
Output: 9h27
